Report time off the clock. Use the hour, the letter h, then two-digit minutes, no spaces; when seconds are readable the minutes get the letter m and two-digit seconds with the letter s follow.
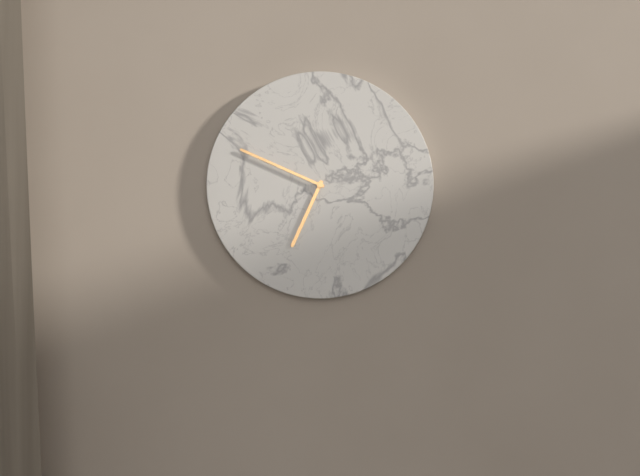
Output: 6h49
